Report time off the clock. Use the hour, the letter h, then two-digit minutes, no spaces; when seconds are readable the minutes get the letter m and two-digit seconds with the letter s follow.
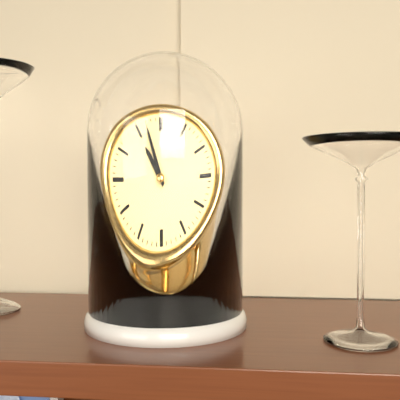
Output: 10h57
